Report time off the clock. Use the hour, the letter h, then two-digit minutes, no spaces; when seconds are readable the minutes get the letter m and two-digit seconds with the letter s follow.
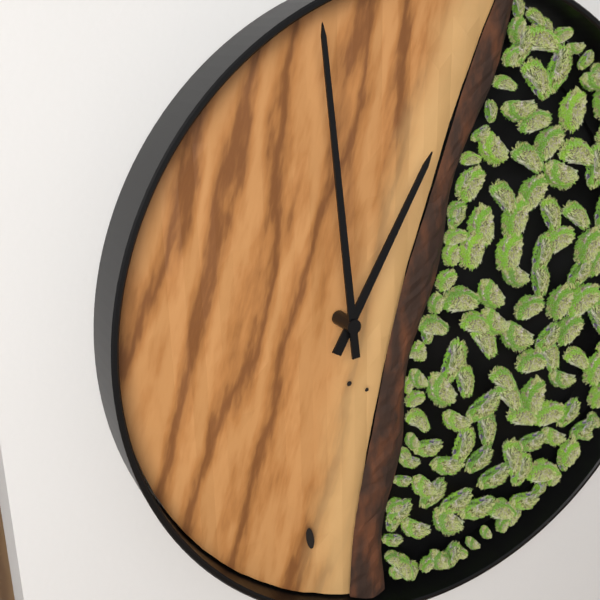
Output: 12h59
